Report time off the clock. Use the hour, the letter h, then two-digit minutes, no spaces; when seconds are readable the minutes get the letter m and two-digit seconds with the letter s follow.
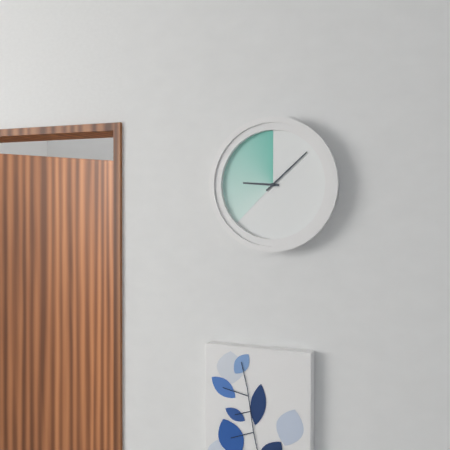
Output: 9h08
